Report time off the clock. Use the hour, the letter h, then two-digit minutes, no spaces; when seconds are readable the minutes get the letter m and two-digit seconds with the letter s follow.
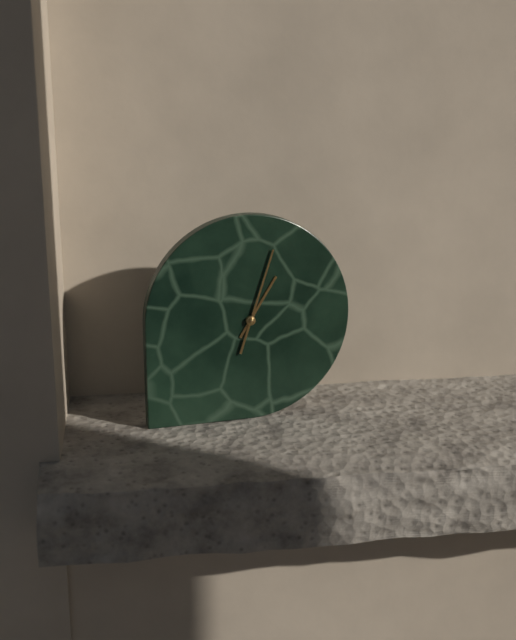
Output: 1h03
